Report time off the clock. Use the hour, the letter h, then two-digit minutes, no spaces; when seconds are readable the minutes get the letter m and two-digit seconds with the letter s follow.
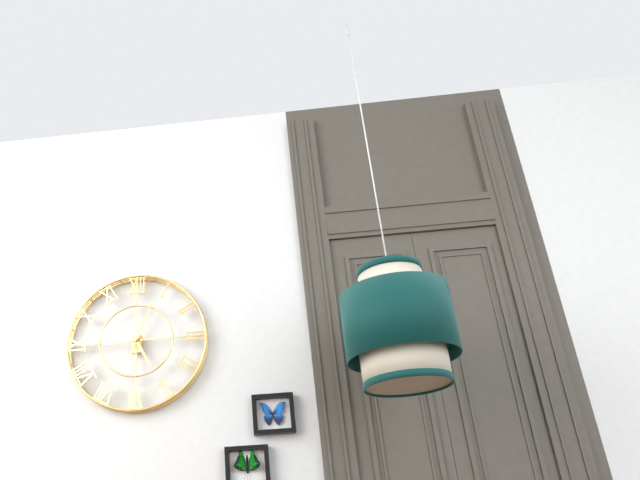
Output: 5h04
